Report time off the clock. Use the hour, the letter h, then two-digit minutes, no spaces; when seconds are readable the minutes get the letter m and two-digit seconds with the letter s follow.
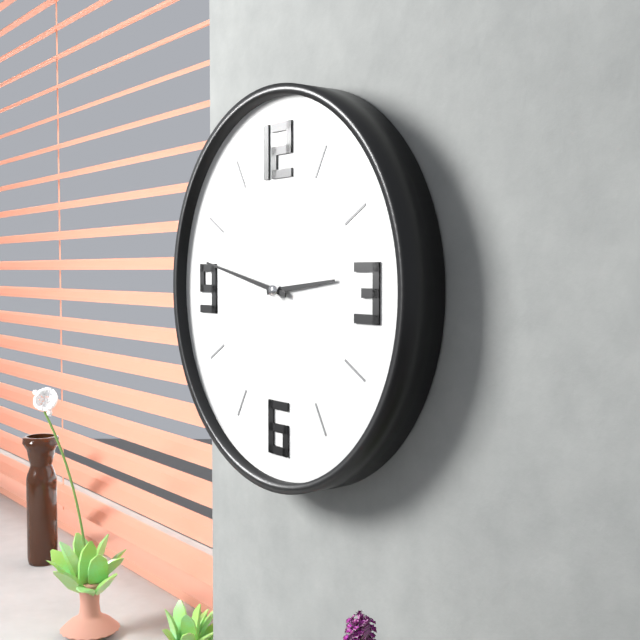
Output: 2h47
